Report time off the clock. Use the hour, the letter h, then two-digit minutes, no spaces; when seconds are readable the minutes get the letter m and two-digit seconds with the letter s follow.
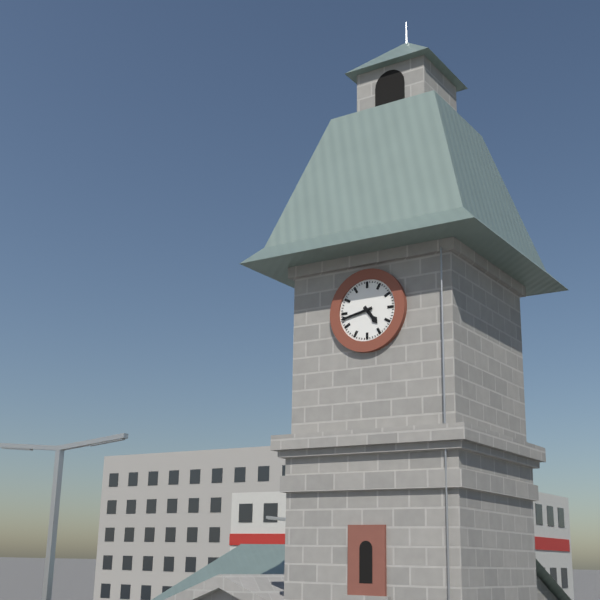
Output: 4h43
